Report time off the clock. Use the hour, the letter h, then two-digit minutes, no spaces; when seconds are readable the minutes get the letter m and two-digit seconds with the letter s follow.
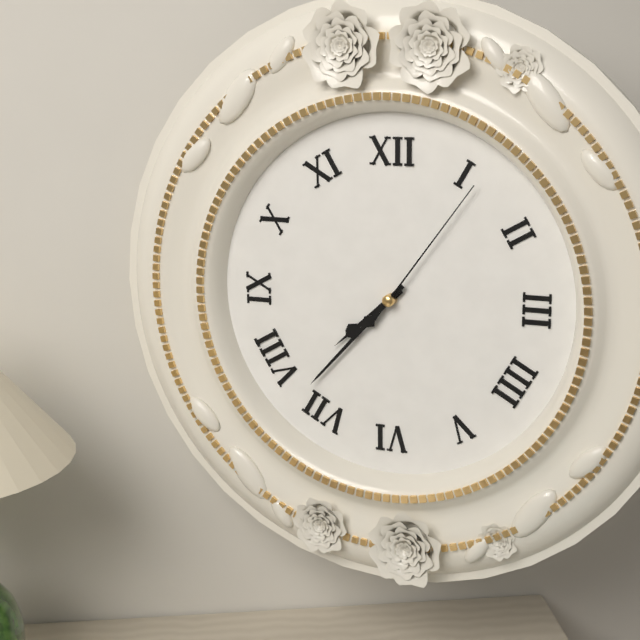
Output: 7h37m06s
